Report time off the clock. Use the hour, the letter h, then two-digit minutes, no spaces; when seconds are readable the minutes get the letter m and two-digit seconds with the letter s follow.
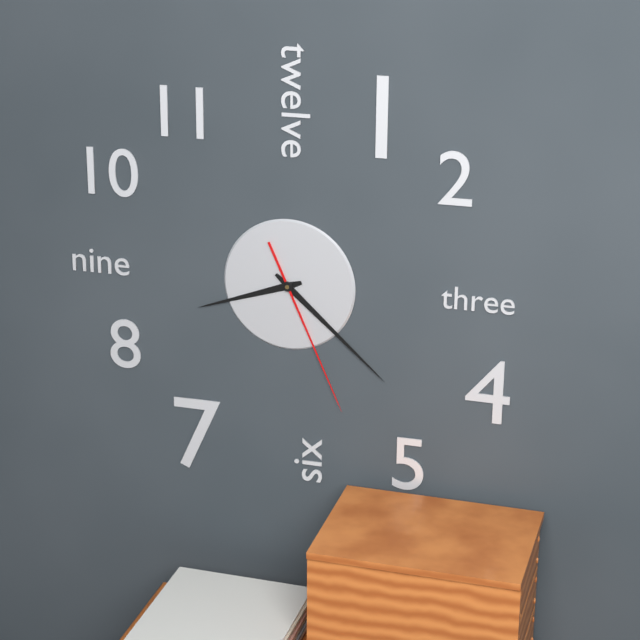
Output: 8h22m26s
